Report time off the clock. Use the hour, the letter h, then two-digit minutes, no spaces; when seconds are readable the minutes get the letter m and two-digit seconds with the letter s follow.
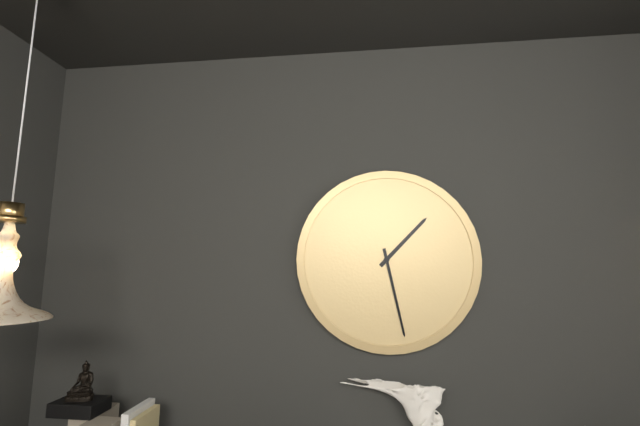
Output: 1h28
